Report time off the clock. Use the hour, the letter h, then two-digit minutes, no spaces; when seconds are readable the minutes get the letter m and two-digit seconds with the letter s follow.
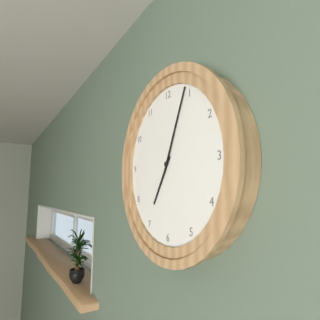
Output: 7h04
